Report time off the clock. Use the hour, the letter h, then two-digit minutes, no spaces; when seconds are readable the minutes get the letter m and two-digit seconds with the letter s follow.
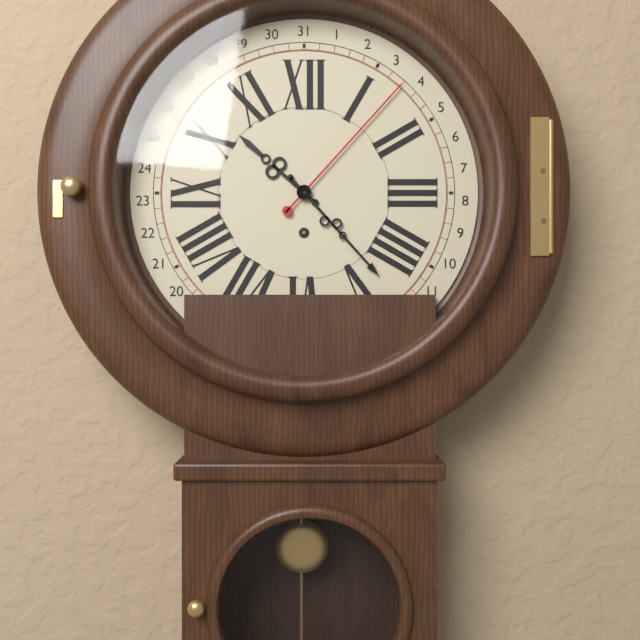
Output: 10h23m07s
